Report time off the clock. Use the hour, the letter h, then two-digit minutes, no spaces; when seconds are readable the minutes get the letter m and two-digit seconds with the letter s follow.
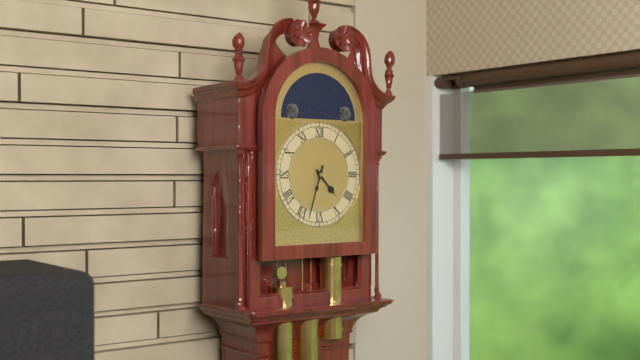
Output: 4h33
